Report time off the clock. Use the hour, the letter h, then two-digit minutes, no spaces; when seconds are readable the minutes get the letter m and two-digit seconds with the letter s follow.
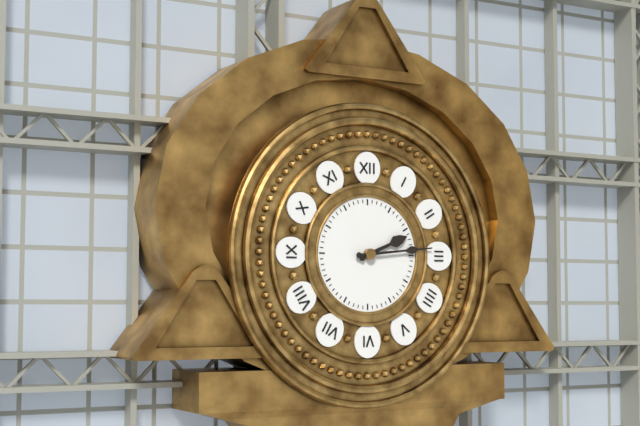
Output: 2h14
